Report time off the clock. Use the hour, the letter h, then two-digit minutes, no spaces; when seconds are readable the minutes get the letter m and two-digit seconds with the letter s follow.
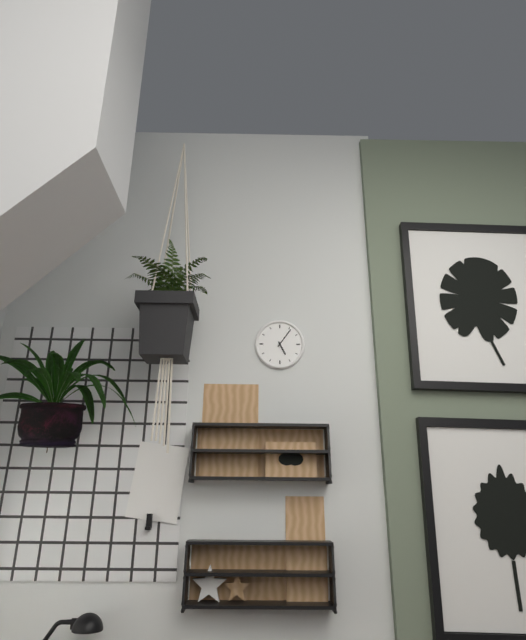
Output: 5h06
